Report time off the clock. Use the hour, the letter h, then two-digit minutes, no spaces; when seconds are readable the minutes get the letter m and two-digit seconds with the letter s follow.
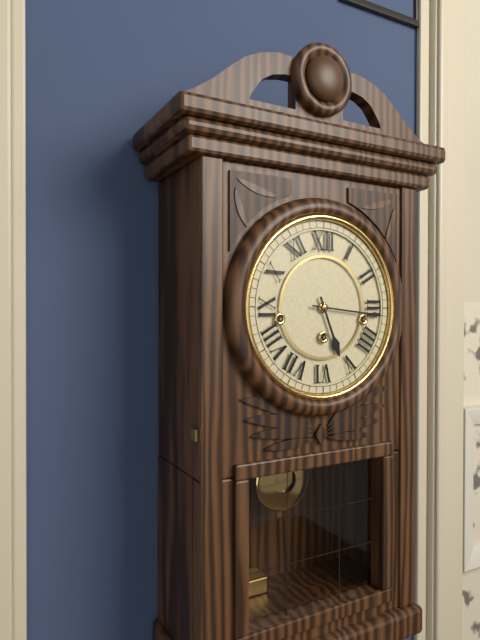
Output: 5h16
